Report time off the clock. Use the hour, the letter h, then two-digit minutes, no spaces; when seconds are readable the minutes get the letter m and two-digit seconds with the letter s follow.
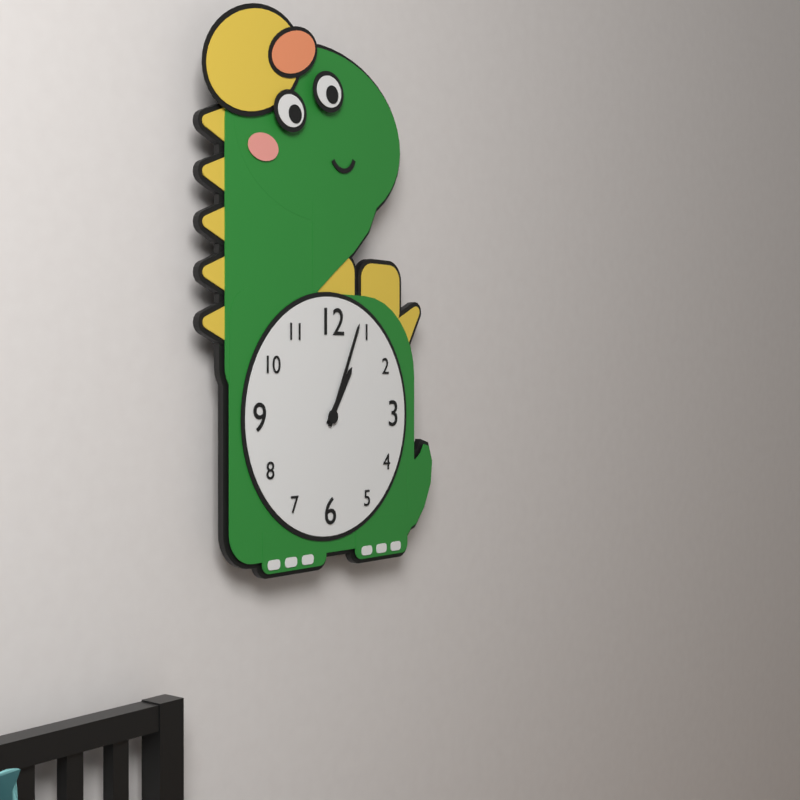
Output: 1h04
